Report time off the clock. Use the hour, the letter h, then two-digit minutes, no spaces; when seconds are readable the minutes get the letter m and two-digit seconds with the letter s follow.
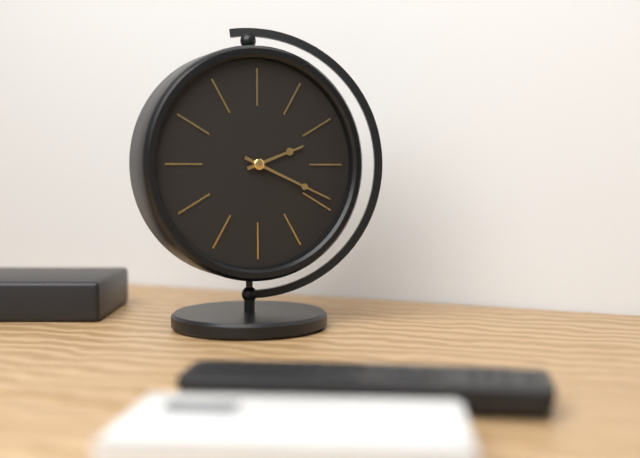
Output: 2h19
